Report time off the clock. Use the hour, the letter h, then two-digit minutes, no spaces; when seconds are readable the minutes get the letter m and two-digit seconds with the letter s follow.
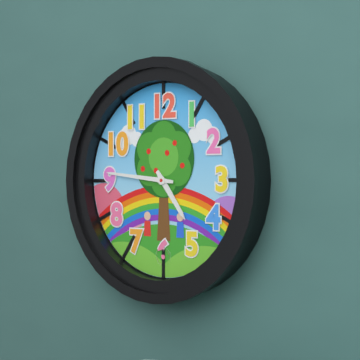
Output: 4h46
